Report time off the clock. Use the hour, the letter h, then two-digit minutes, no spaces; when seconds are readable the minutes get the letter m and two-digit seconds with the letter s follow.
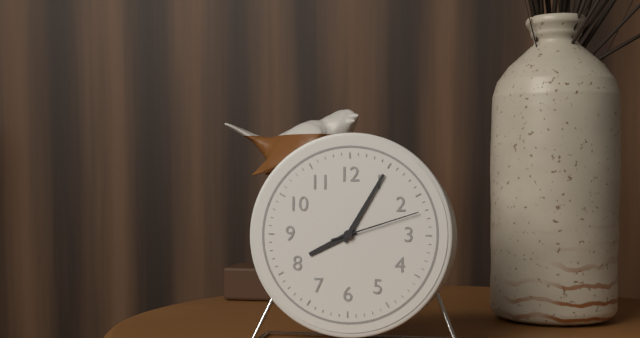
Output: 8h05m12s
